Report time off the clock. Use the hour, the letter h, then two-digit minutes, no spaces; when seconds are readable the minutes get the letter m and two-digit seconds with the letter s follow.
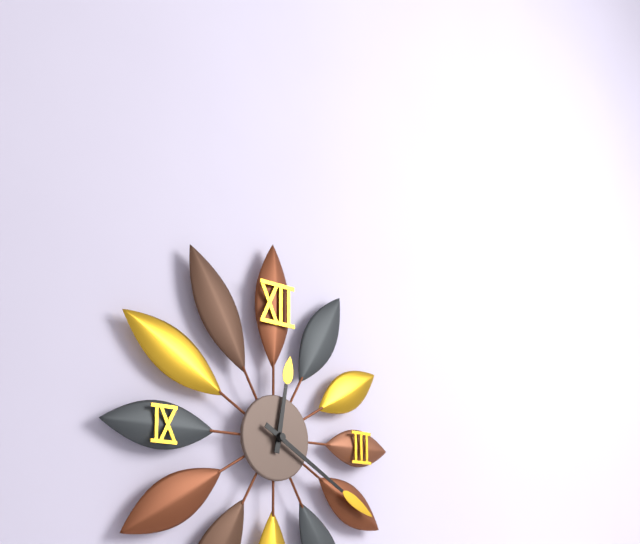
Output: 12h20
